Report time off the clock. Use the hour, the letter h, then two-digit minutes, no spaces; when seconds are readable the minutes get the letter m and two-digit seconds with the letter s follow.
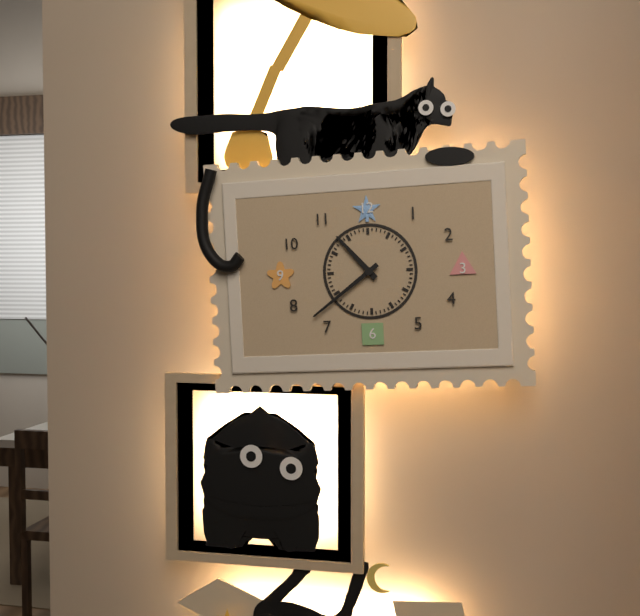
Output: 10h39
